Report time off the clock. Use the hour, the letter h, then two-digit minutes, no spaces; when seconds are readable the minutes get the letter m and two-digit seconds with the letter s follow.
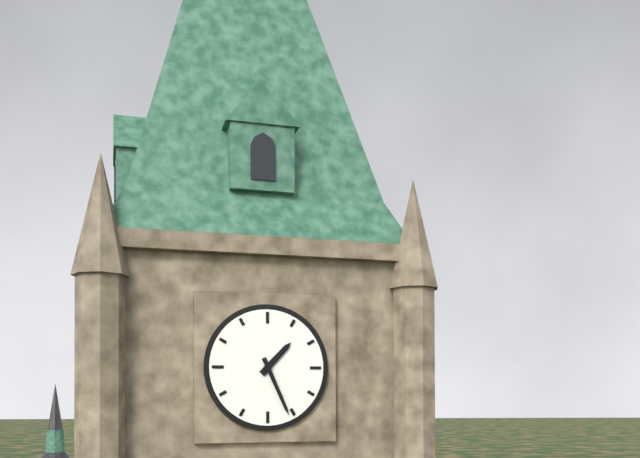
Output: 1h26
